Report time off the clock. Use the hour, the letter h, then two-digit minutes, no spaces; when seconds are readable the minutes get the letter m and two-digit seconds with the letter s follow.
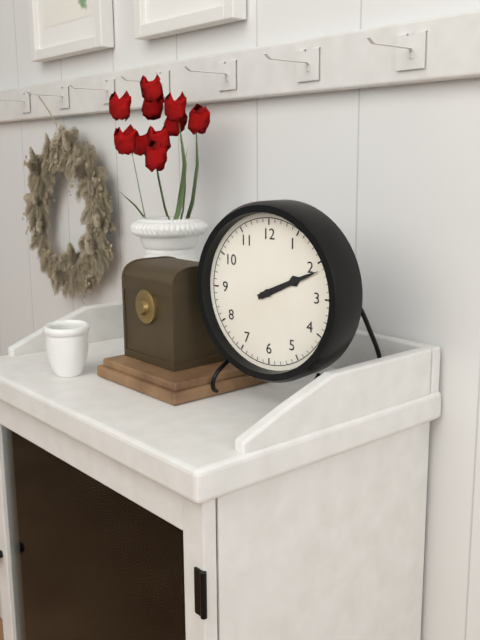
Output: 2h11
